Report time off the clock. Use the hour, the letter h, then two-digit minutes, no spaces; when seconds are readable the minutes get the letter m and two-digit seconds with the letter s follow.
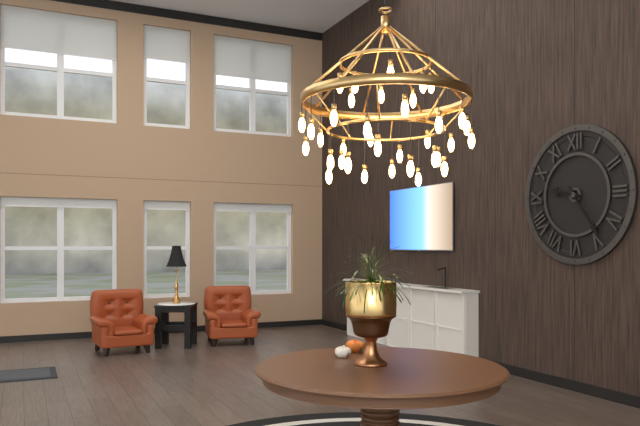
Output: 9h24
